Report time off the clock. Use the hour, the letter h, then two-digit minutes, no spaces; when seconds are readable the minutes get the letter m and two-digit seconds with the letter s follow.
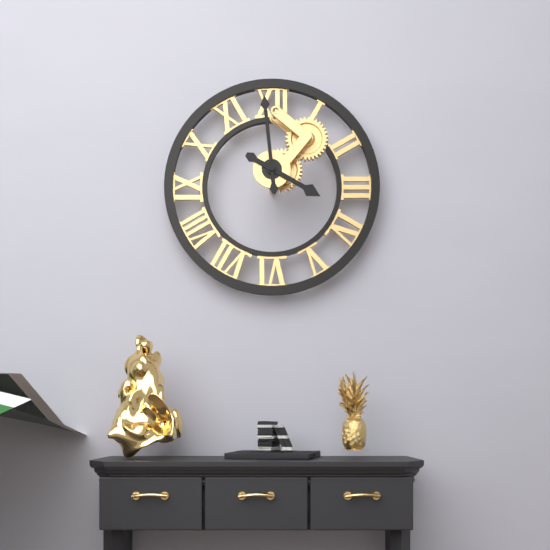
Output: 3h59
